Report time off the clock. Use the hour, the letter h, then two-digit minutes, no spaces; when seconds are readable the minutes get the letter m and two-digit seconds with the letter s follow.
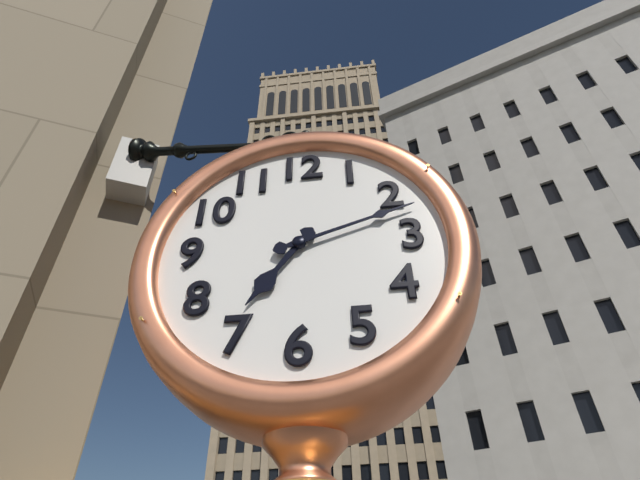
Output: 7h12
